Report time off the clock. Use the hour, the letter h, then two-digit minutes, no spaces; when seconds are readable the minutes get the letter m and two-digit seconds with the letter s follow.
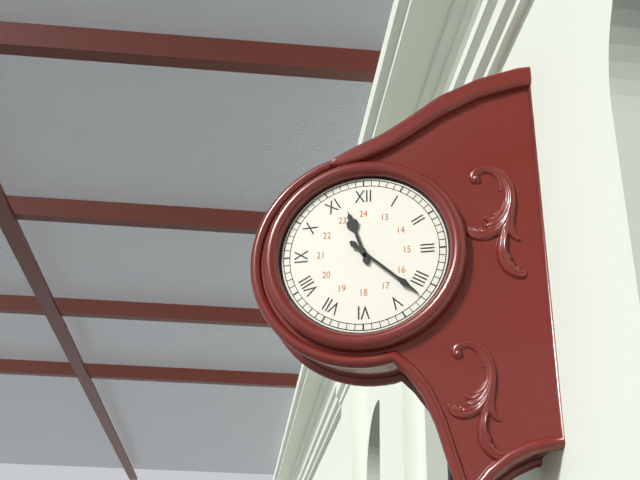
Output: 11h22
